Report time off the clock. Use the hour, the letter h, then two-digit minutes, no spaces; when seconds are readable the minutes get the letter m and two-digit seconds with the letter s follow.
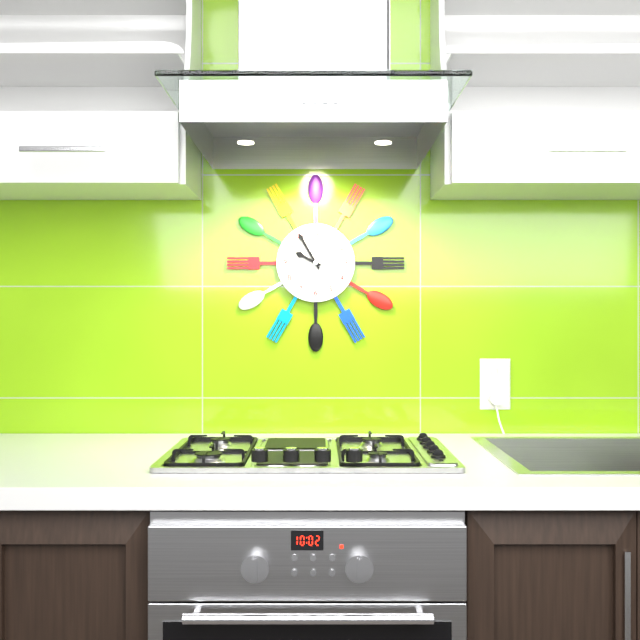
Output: 9h55
